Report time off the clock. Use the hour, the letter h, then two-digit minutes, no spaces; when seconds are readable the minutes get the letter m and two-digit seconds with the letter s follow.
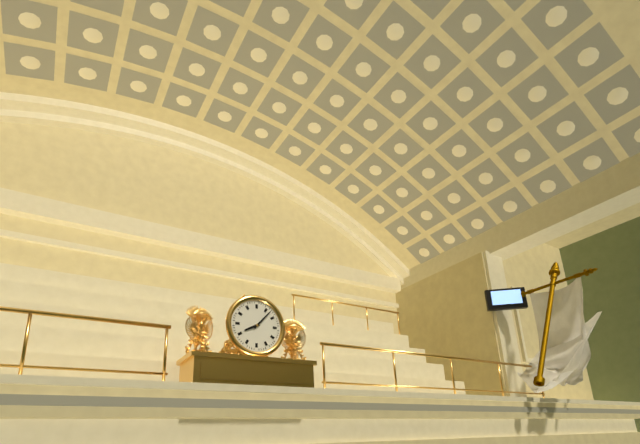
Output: 8h07
